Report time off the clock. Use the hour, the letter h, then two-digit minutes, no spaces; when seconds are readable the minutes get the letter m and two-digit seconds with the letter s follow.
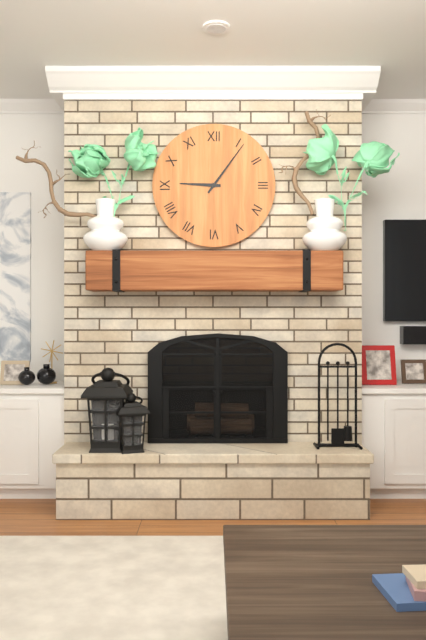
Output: 9h06
